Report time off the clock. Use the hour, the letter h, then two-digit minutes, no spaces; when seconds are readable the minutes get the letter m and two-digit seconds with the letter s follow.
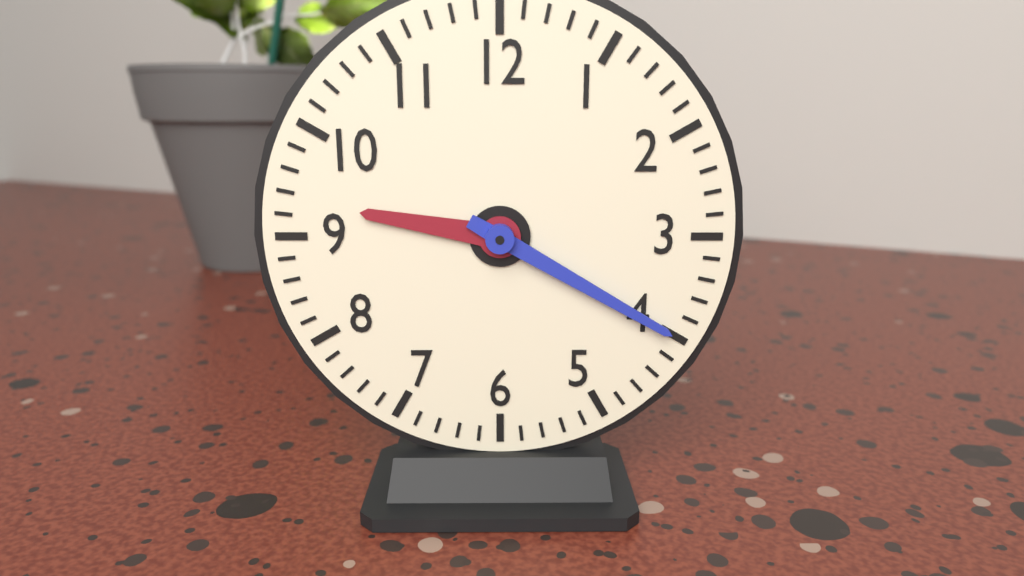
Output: 9h20
